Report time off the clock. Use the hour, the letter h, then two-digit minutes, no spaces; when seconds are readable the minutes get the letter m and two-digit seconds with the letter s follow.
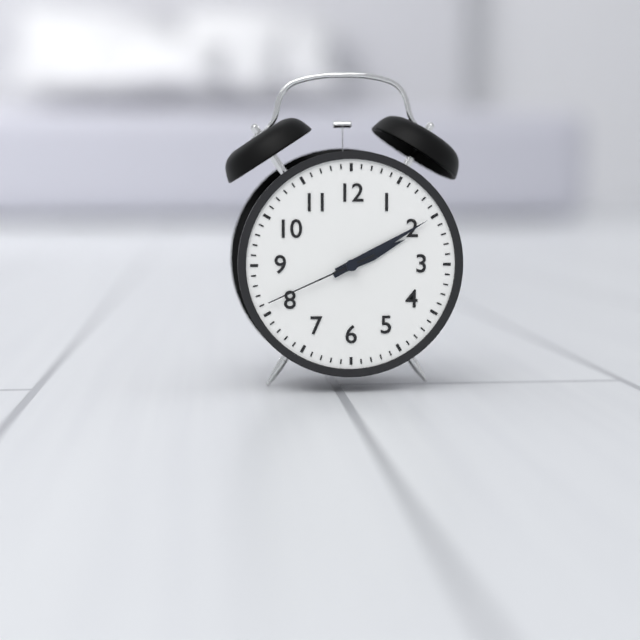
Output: 2h10m41s
